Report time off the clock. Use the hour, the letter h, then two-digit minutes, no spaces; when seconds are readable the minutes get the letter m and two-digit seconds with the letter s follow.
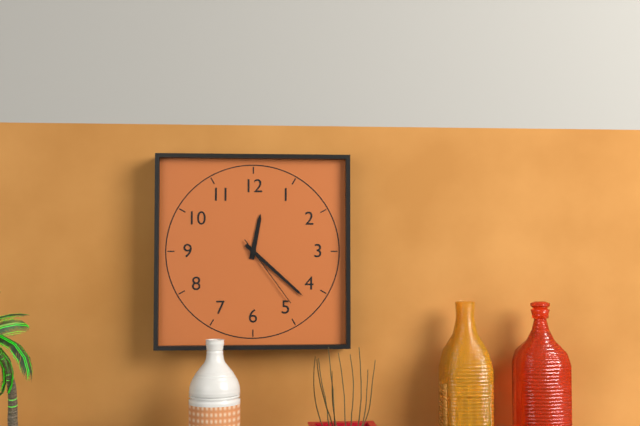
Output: 12h22m24s
